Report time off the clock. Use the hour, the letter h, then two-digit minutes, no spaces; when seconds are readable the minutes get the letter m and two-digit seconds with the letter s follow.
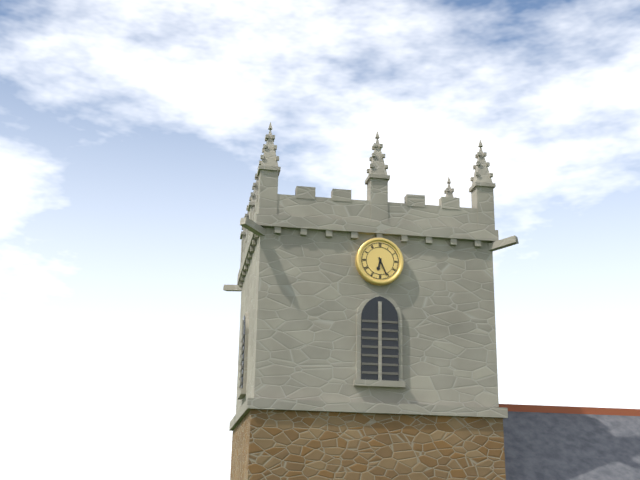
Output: 6h26
